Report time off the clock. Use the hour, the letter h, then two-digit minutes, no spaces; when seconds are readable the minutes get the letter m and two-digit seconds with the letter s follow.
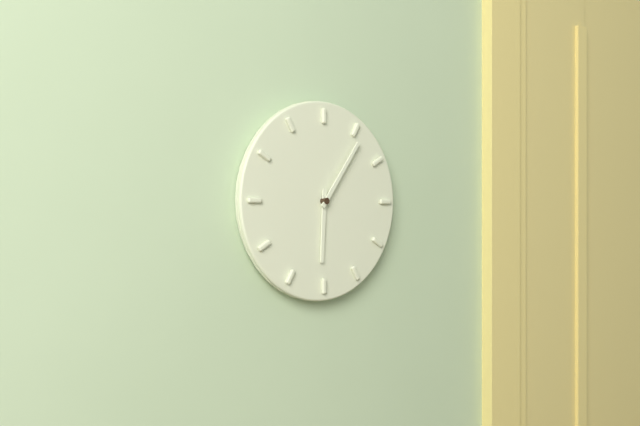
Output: 6h06
